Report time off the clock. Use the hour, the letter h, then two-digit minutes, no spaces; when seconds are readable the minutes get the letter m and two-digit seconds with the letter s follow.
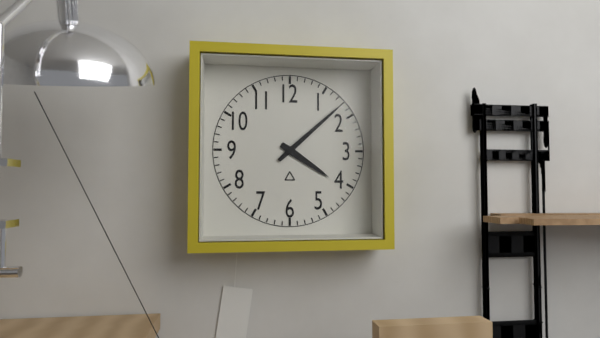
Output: 4h08
